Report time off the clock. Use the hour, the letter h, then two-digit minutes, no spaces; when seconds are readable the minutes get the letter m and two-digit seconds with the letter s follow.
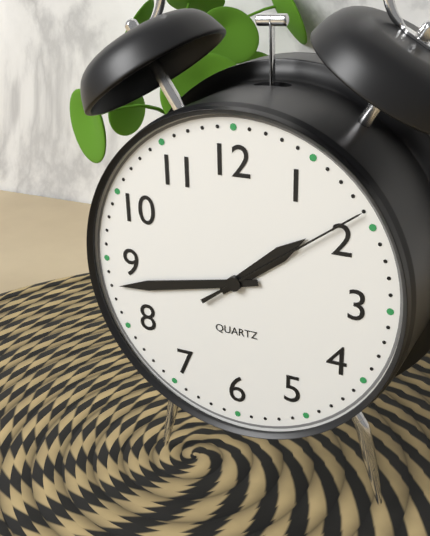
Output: 1h43m09s
